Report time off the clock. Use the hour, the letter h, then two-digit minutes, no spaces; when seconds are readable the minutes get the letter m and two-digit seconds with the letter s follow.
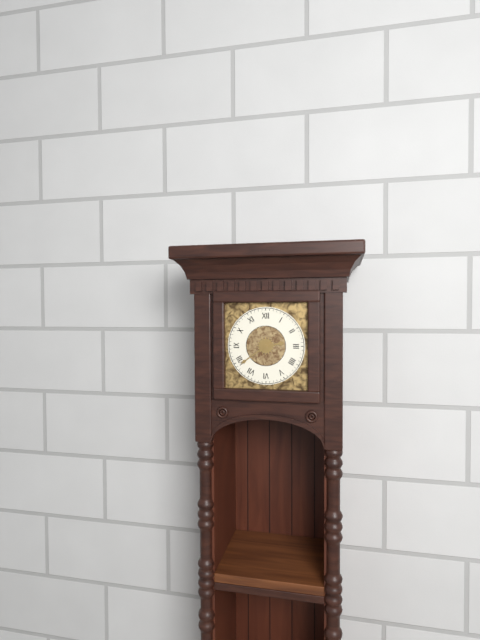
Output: 2h39
